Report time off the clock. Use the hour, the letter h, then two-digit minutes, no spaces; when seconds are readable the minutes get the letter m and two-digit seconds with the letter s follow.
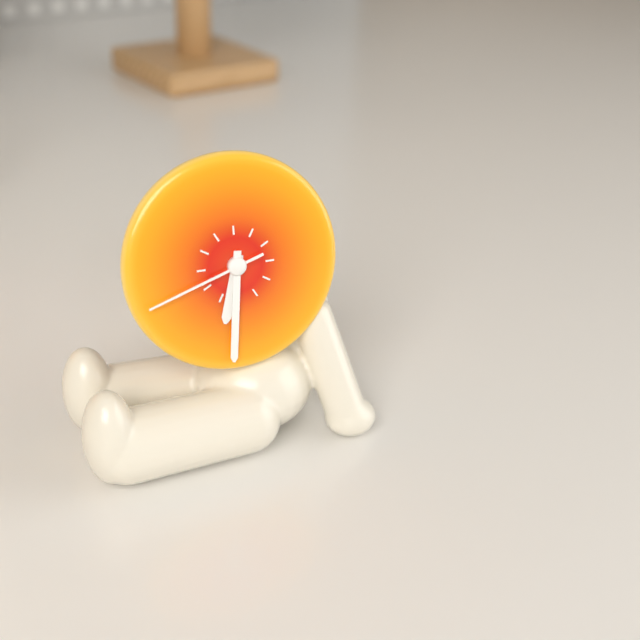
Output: 6h31m42s
